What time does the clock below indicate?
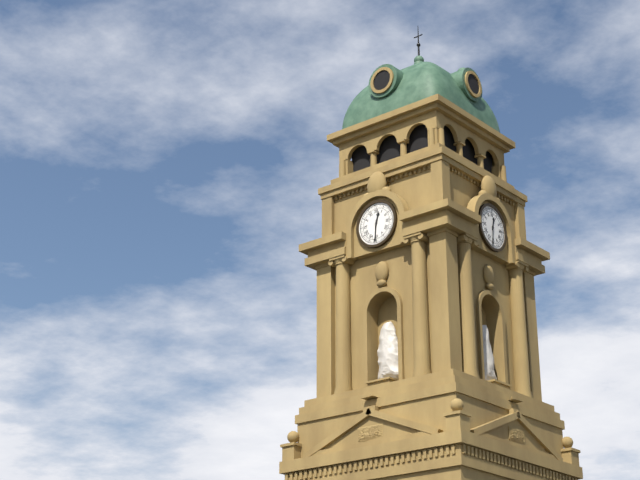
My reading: 12:31
